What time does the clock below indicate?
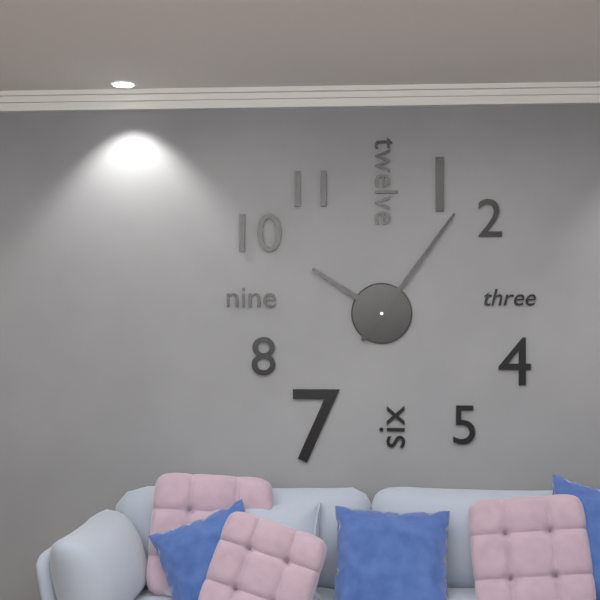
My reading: 10:06
